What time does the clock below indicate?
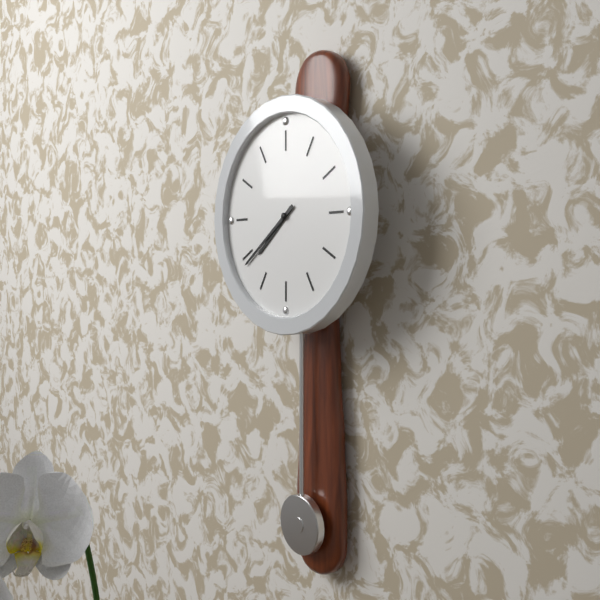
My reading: 7:39
